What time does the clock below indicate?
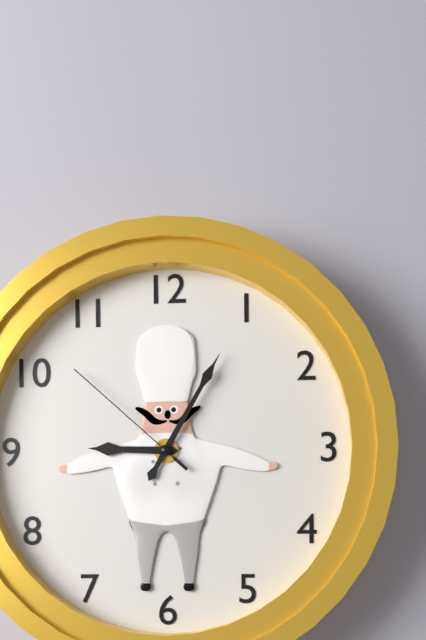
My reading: 9:05:52
